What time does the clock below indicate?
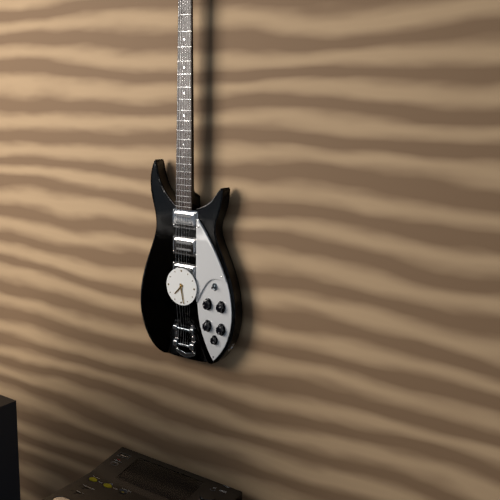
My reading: 7:28
